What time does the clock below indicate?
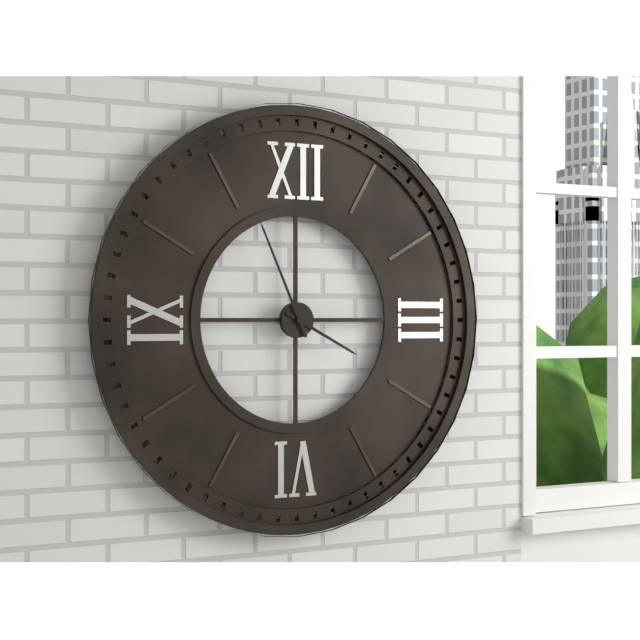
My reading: 3:56
